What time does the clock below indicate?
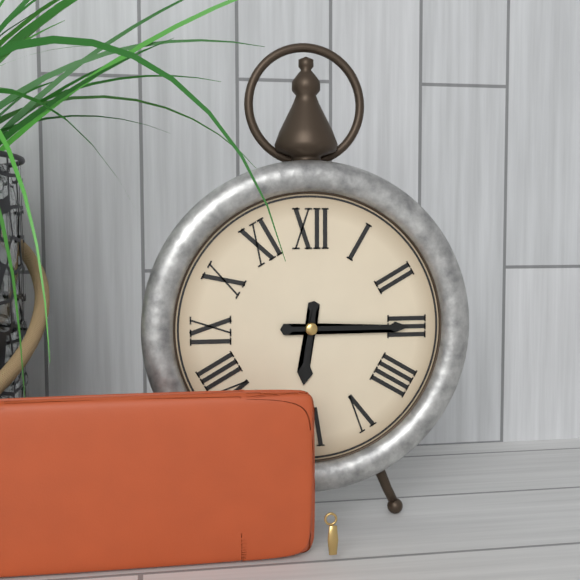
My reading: 6:15
